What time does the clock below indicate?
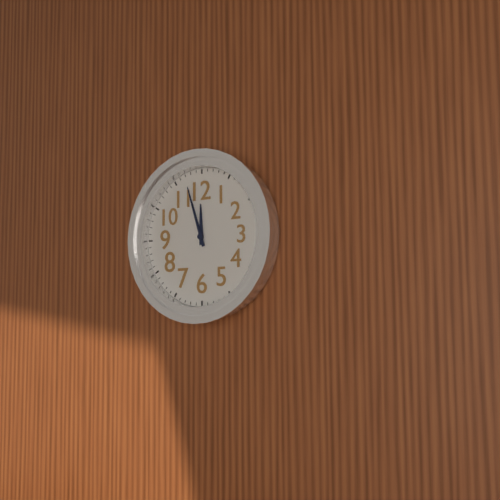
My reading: 11:57
